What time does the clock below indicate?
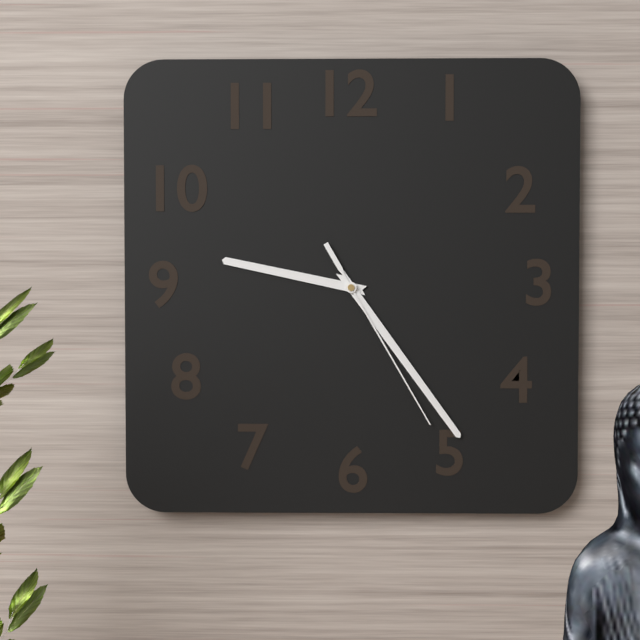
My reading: 9:24:25
